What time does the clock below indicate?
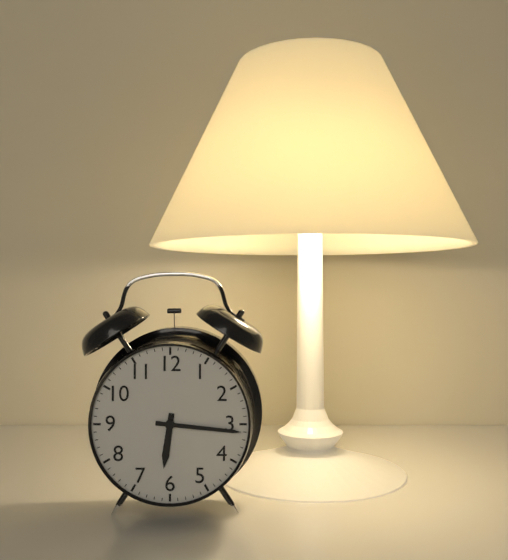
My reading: 6:16
